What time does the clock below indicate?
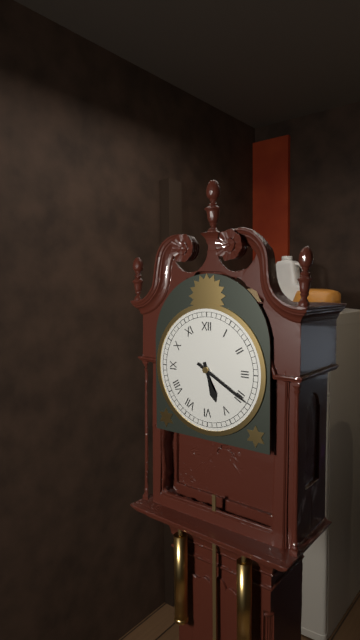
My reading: 5:20
